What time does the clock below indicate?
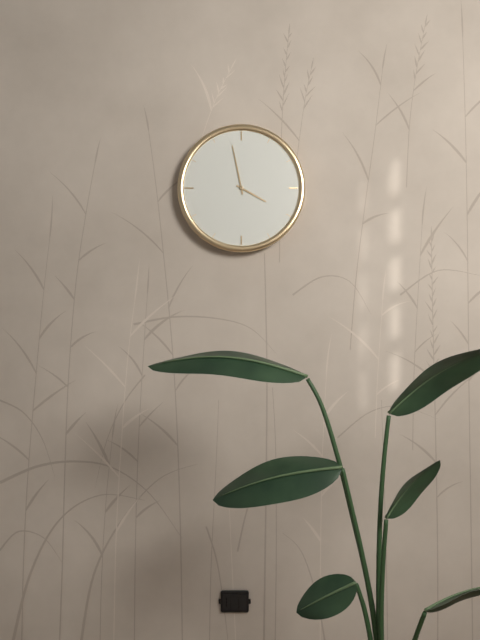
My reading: 3:58
